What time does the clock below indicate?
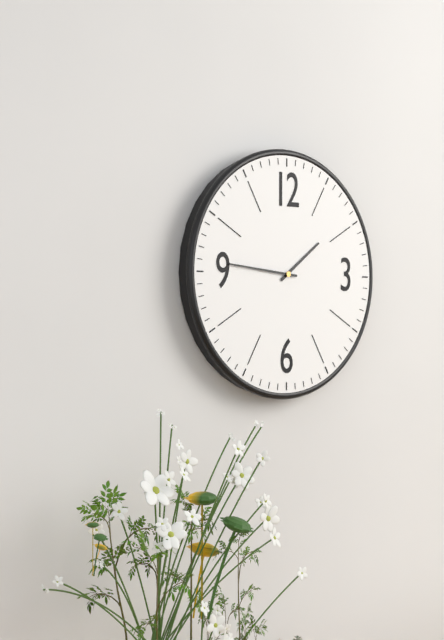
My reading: 1:46
